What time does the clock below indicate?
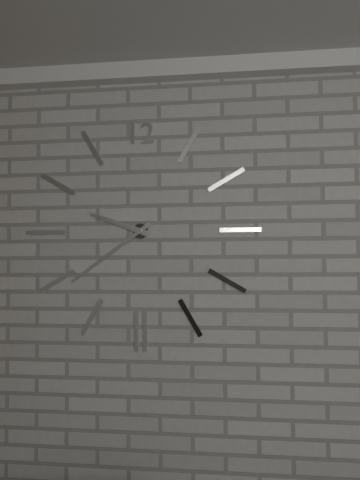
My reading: 9:39
